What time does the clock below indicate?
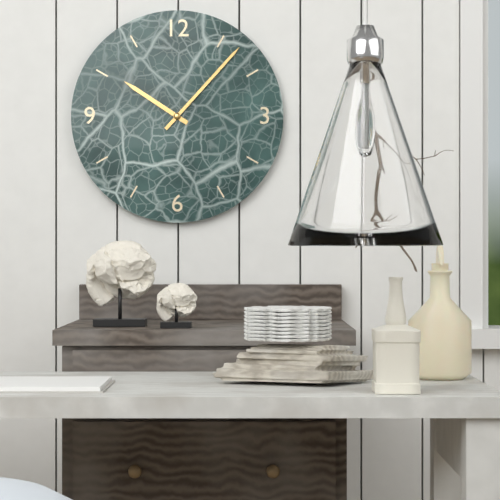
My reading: 10:07
